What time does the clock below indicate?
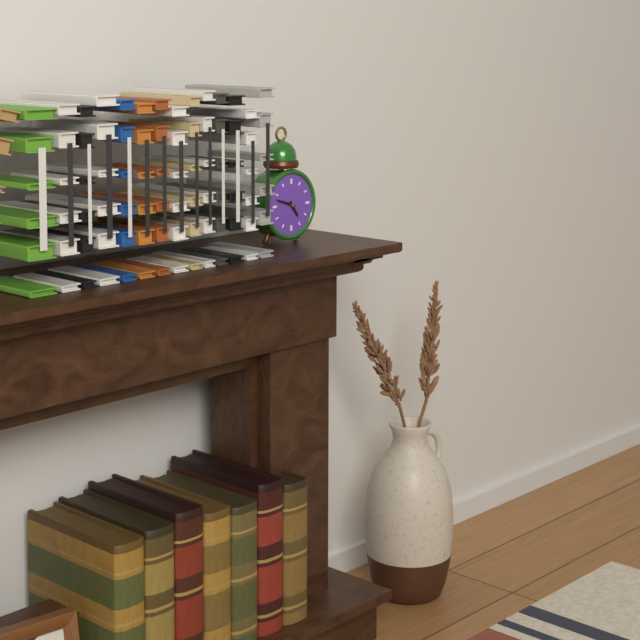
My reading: 4:48
